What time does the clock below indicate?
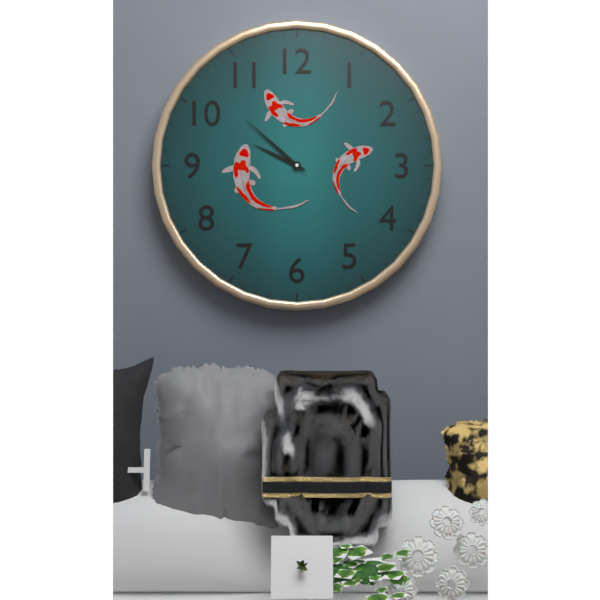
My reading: 9:52
